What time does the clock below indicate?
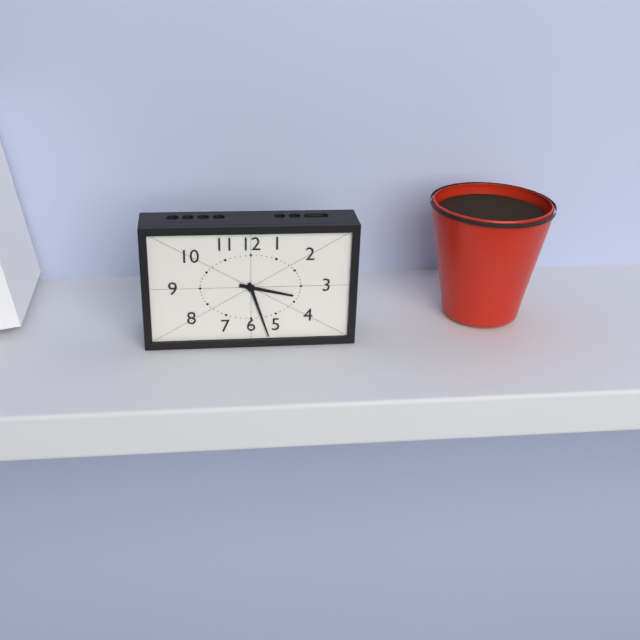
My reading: 3:27
